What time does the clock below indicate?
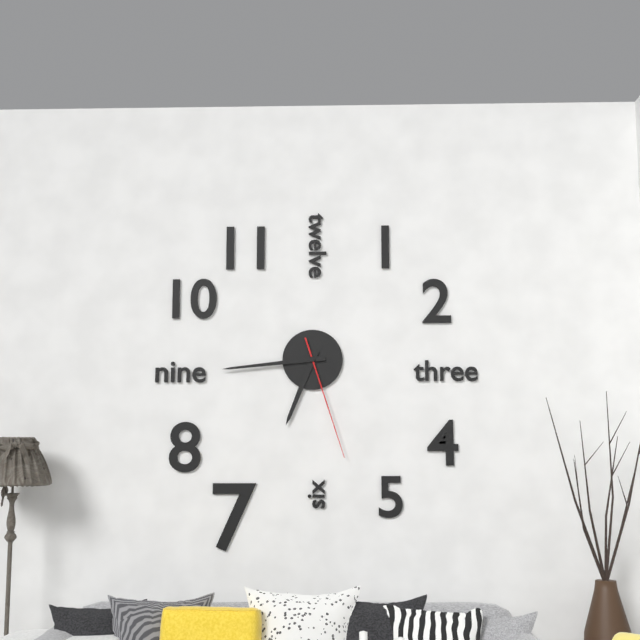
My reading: 6:44:27
